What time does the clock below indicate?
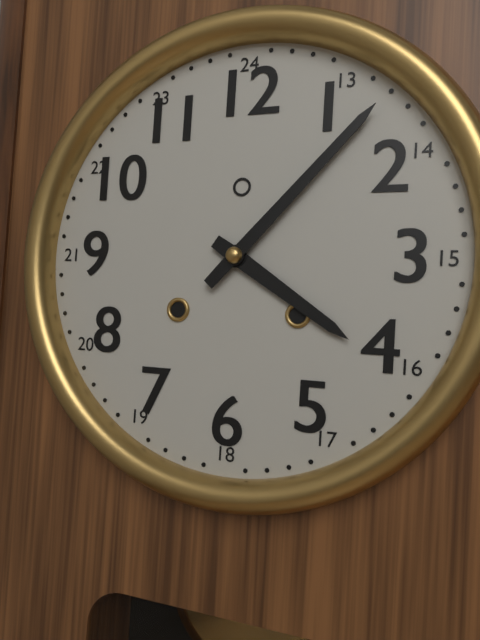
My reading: 4:07
